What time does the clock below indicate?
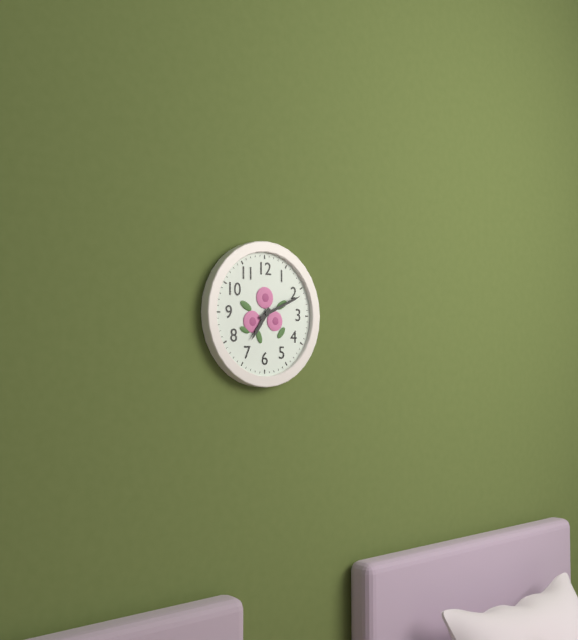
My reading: 7:11
